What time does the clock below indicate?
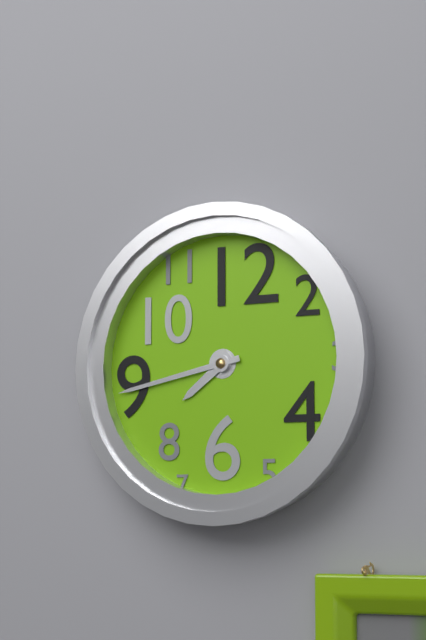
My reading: 7:43
